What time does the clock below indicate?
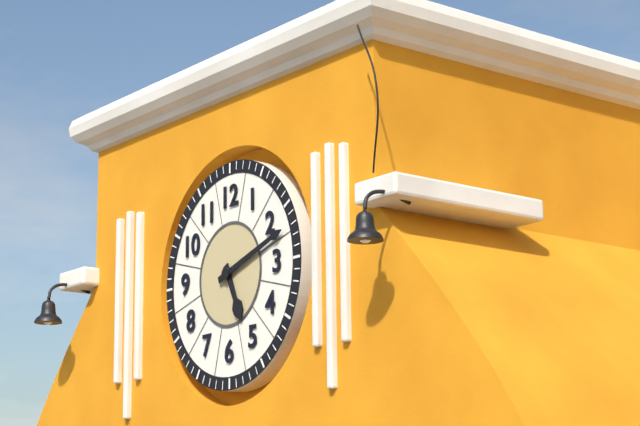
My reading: 5:12
